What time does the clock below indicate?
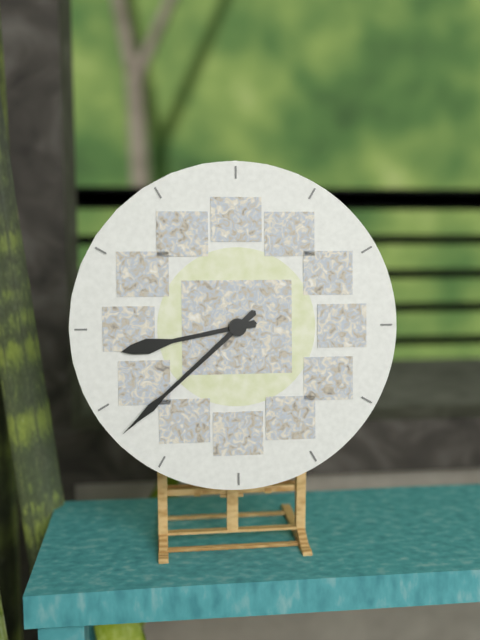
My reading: 8:38
